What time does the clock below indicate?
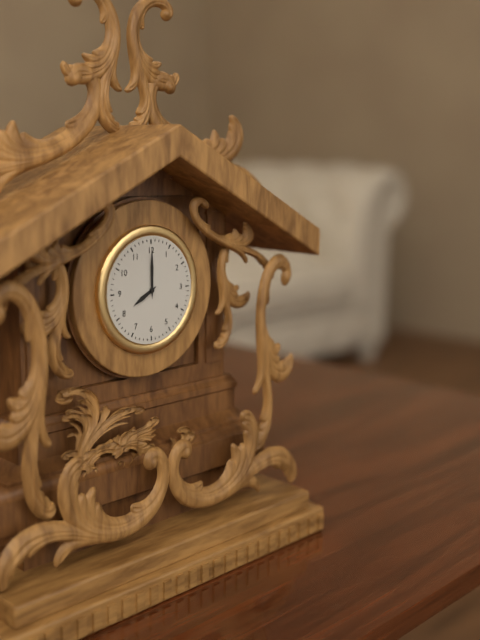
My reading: 8:00
